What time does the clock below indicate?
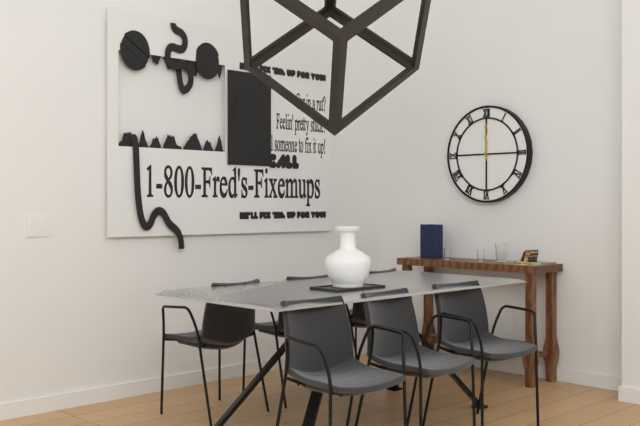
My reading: 12:00
